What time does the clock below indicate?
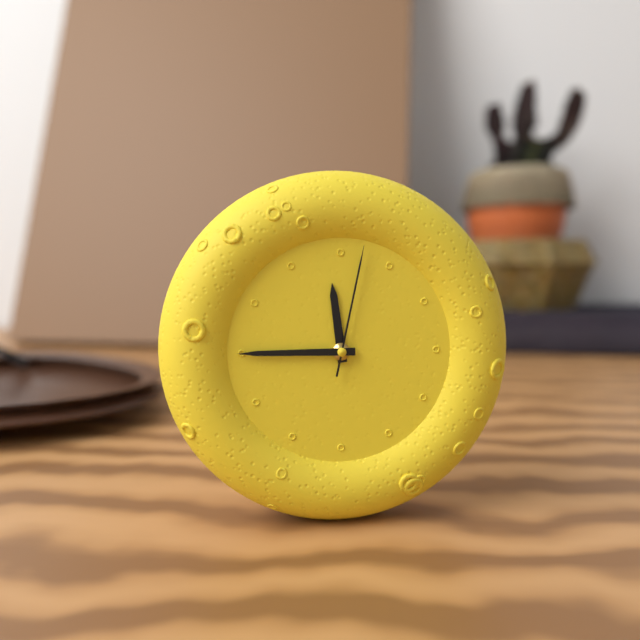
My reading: 11:45:02
